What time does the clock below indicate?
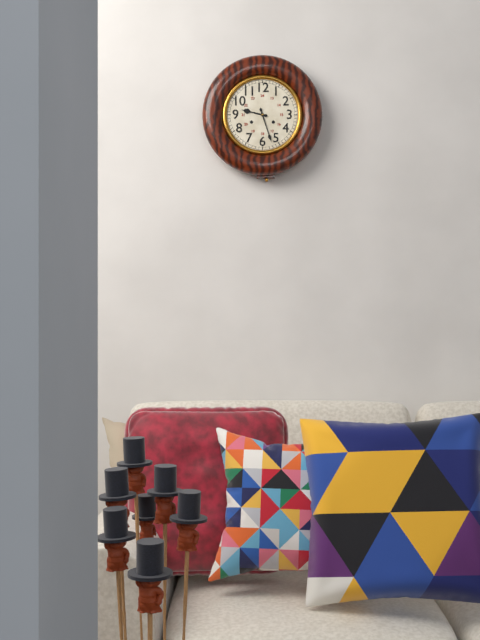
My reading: 9:27
